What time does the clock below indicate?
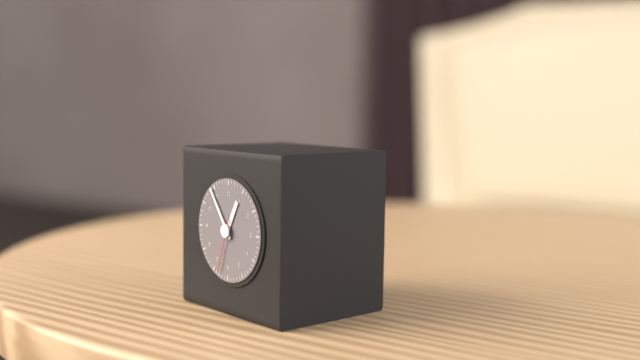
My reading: 12:54:33
